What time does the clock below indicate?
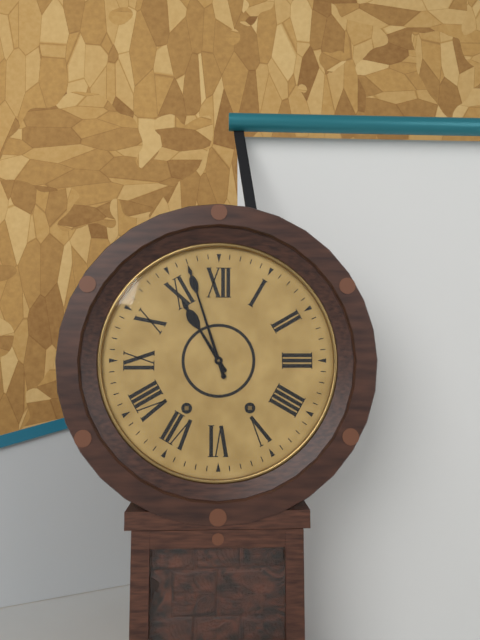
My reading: 10:57
